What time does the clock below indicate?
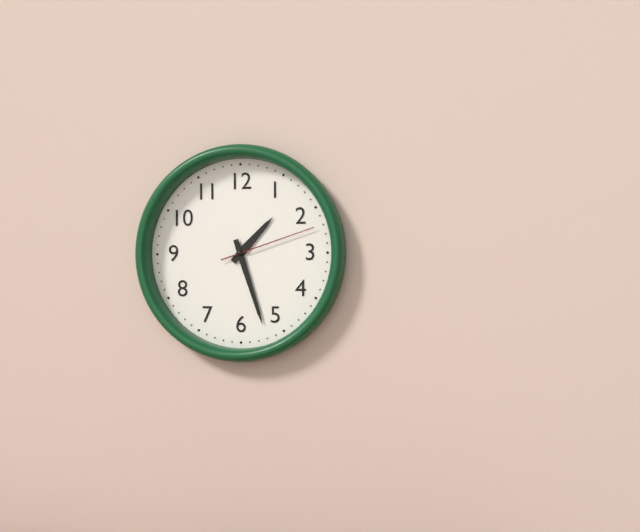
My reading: 1:27:12
